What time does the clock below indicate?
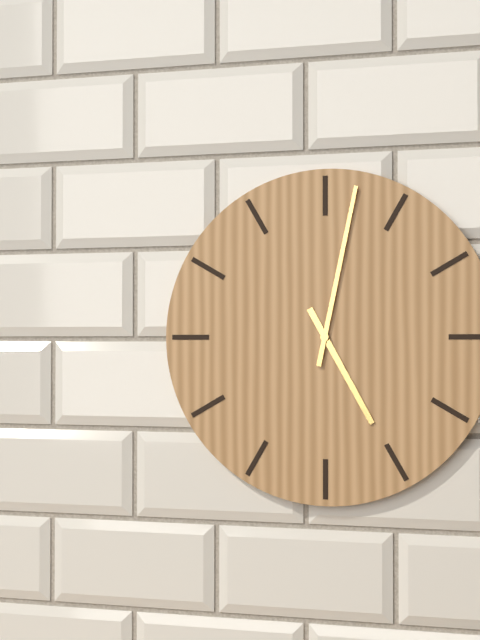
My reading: 5:02
